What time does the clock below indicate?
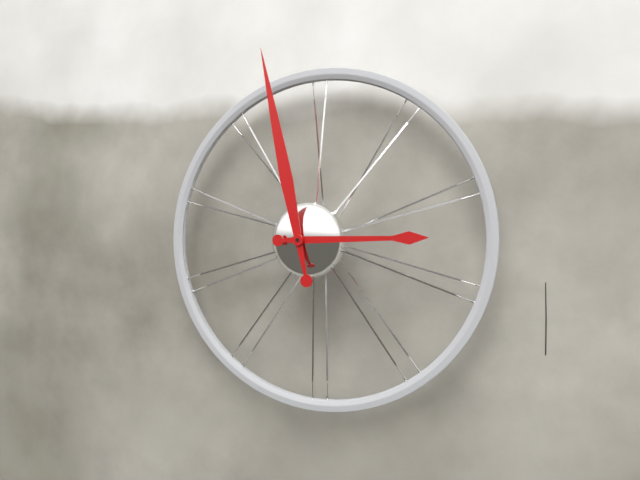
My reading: 2:58
